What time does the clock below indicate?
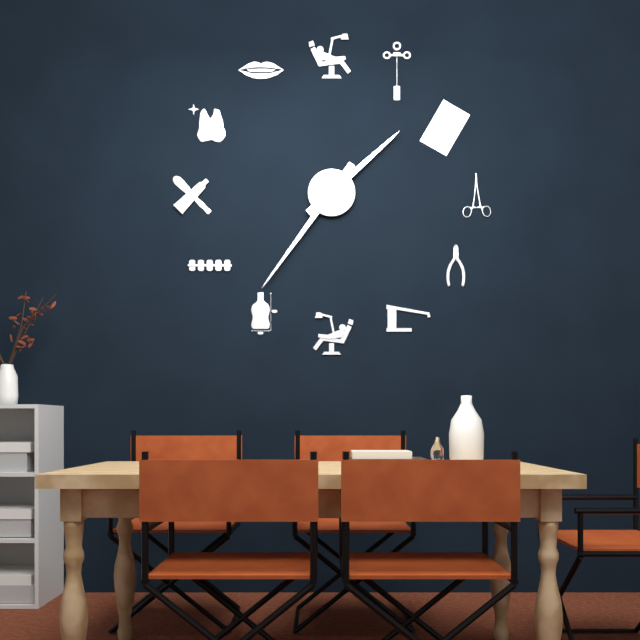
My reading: 1:36
